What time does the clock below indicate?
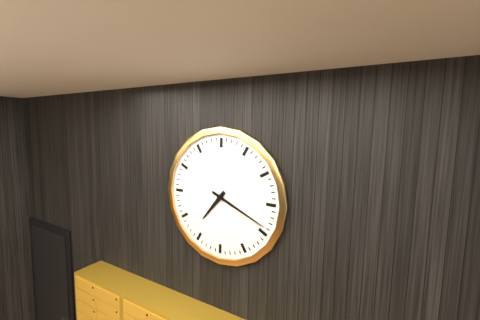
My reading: 7:19
